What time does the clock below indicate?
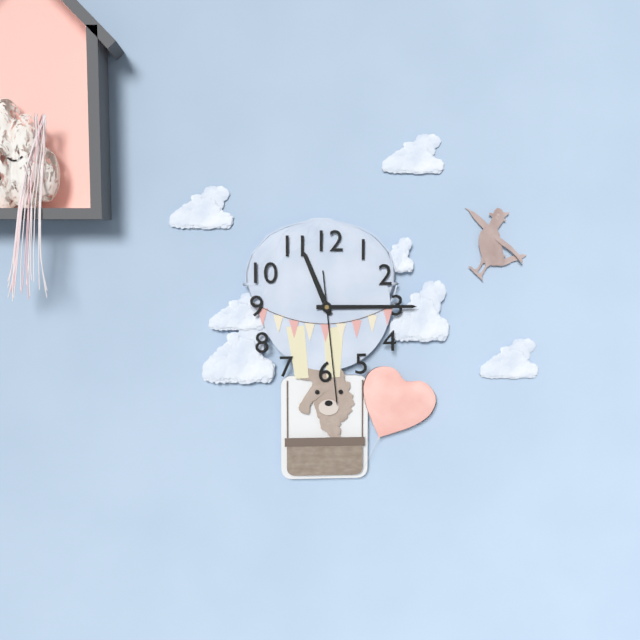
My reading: 11:15:29
